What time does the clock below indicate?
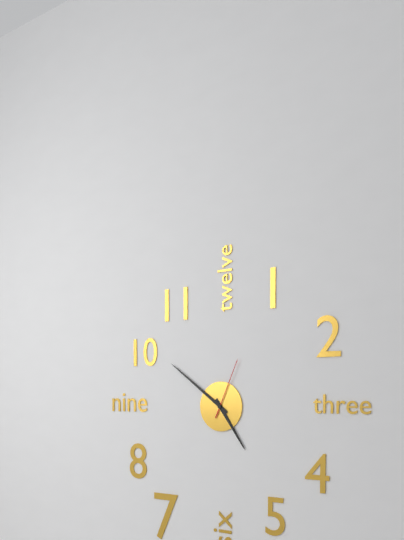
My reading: 4:51:04
